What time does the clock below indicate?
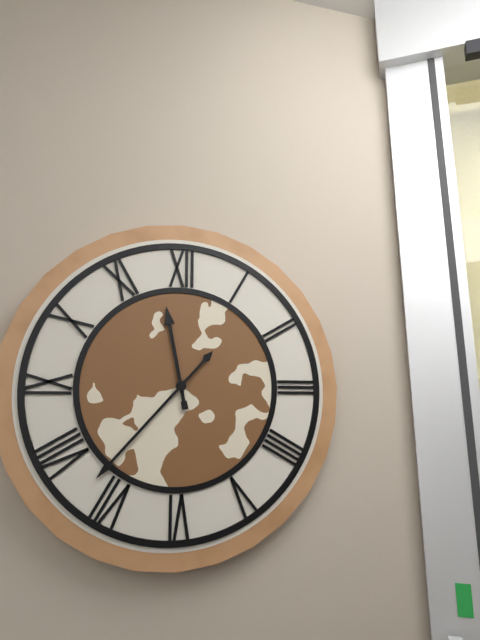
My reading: 11:37
